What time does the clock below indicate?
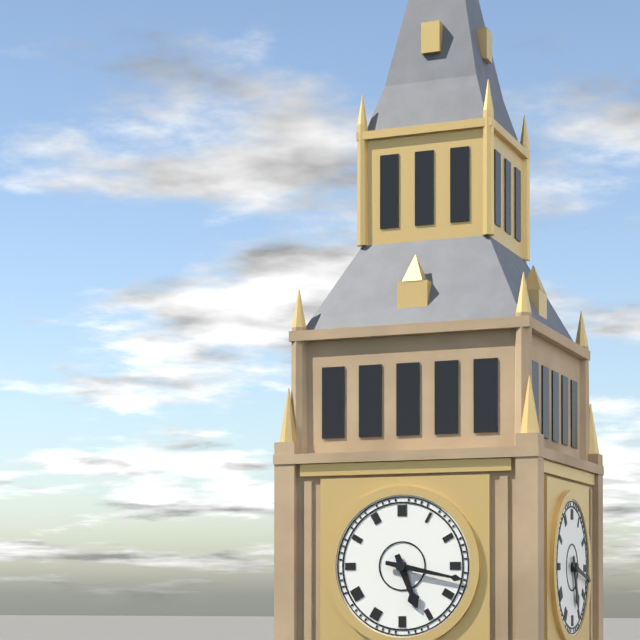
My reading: 5:17
